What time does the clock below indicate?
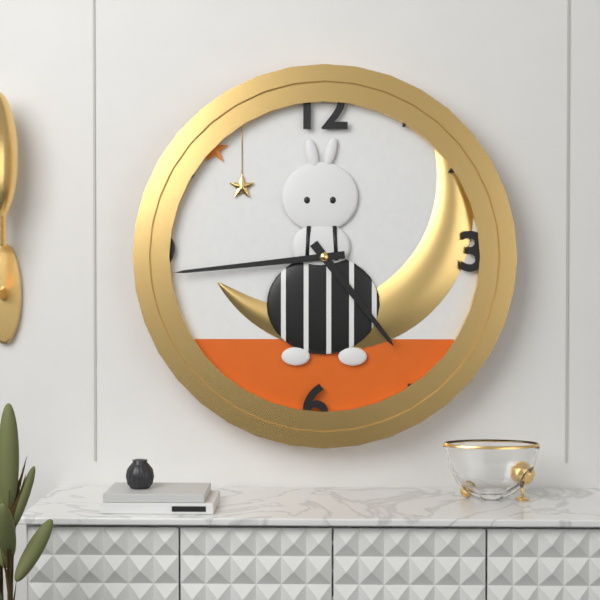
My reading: 4:44
